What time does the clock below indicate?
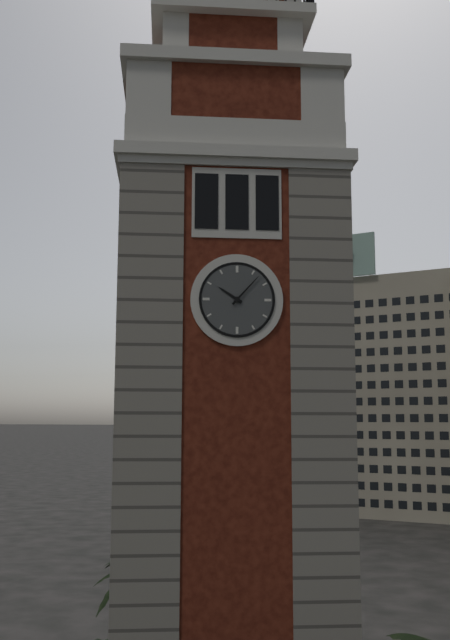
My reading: 10:07
